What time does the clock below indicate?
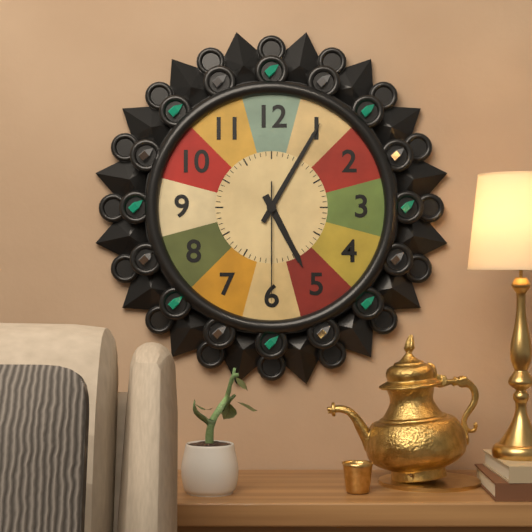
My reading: 5:05:30
